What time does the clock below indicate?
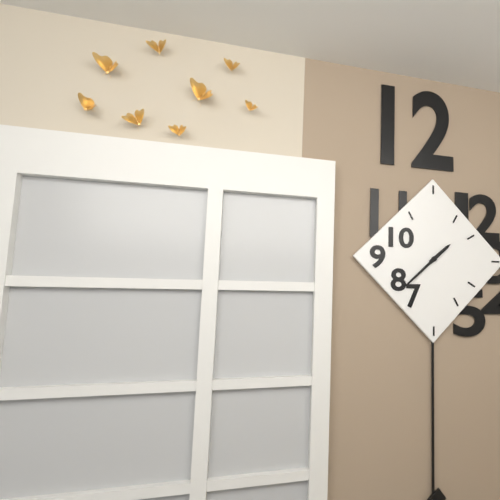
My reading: 1:38
